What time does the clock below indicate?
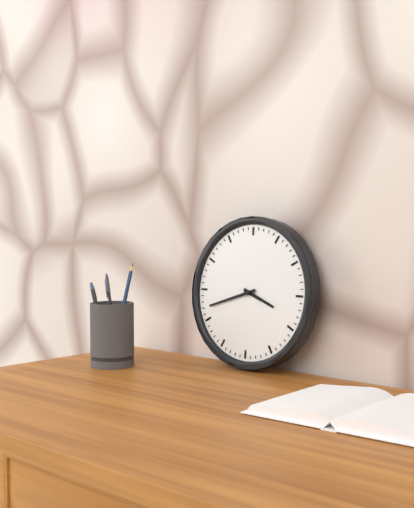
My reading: 3:42
